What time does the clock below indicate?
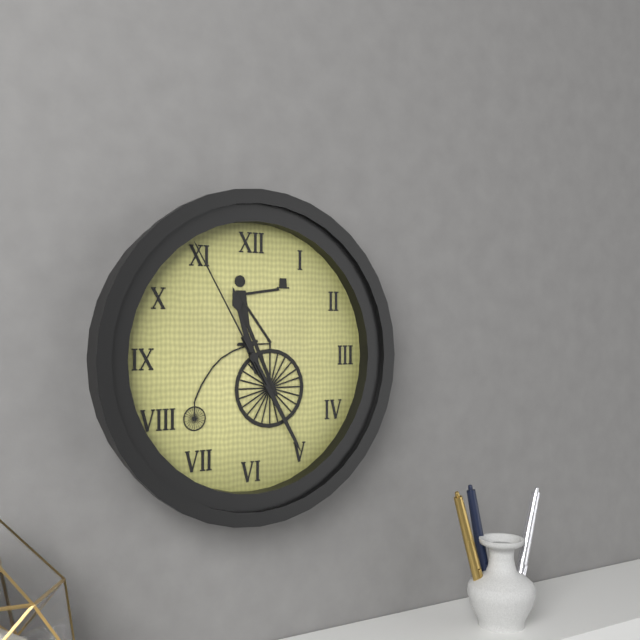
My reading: 11:25:55
